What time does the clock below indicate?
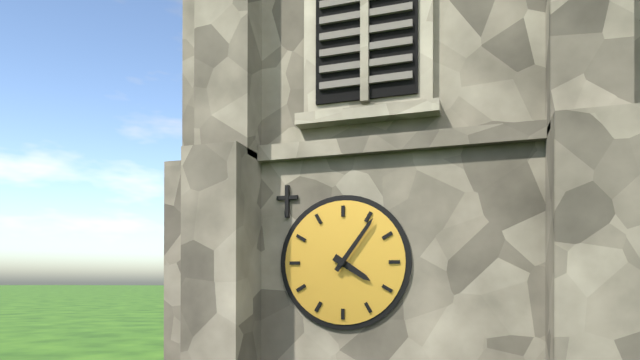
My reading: 4:06
